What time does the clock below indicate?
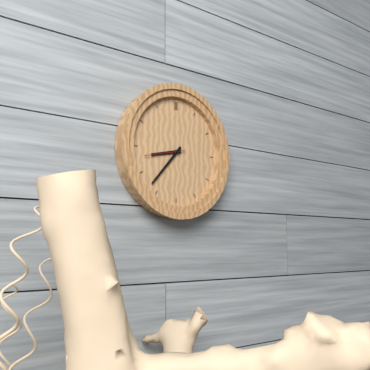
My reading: 8:37
